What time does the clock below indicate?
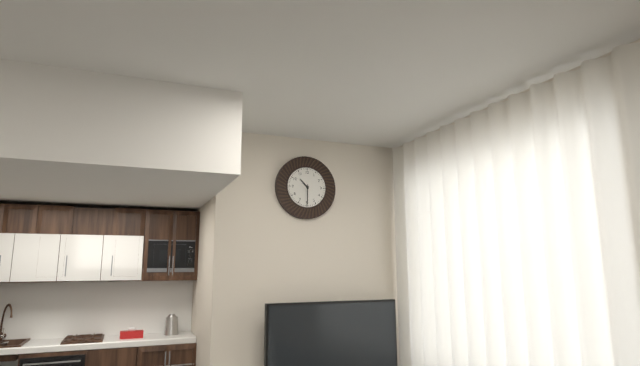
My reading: 10:30
